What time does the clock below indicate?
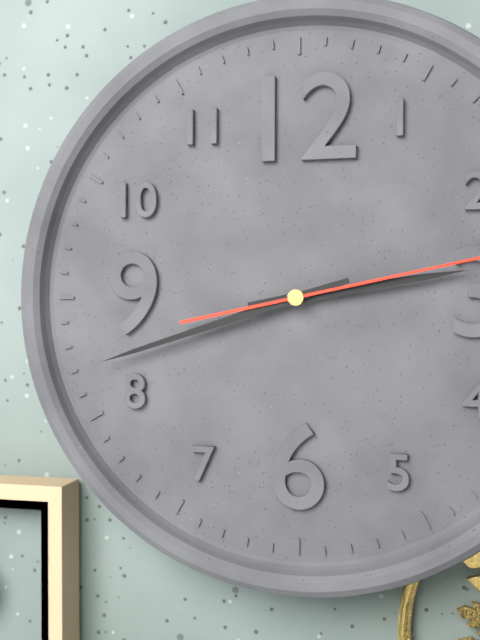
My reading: 2:42
